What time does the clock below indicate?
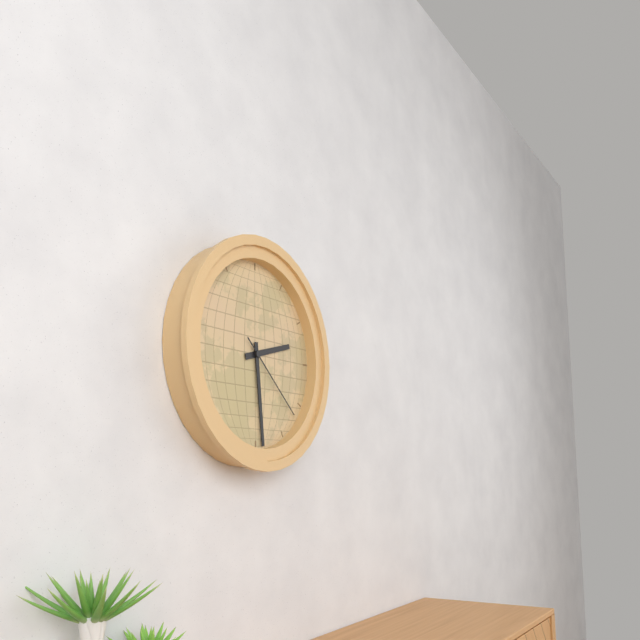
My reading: 2:29:22
